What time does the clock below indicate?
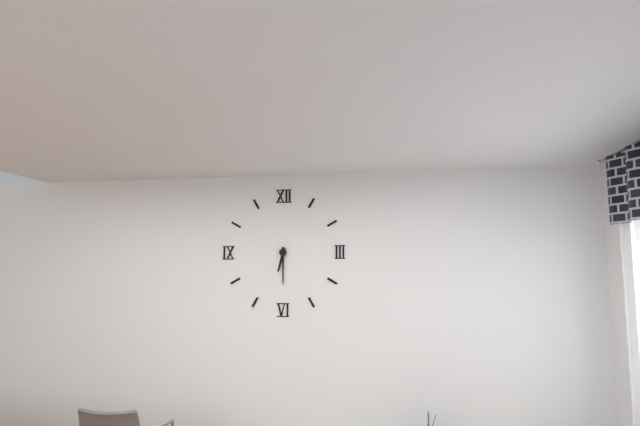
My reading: 6:30
